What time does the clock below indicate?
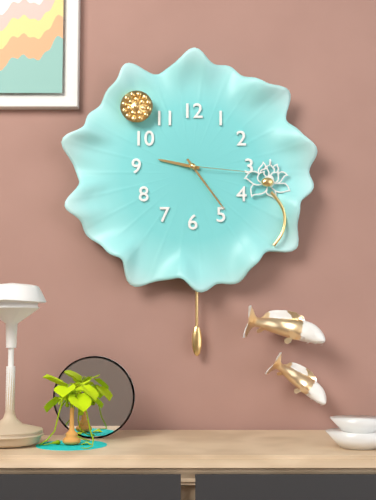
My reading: 9:24:16
